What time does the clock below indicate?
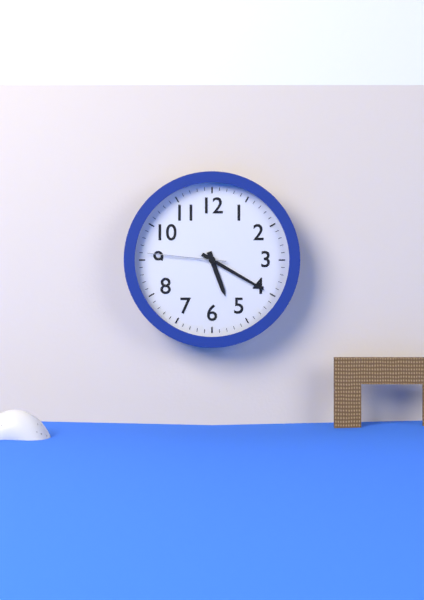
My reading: 5:20:46
